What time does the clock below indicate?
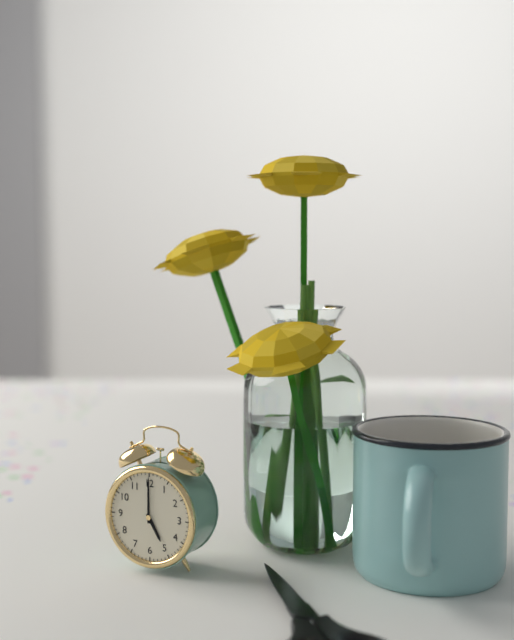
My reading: 5:00
